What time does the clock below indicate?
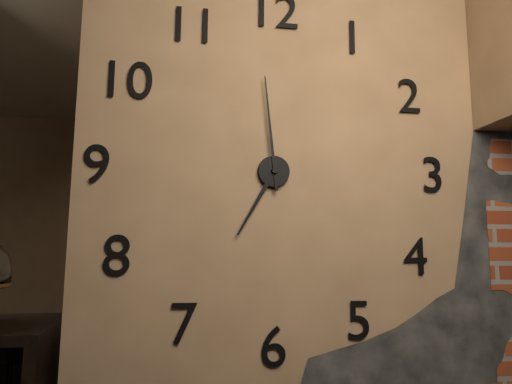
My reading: 6:59
